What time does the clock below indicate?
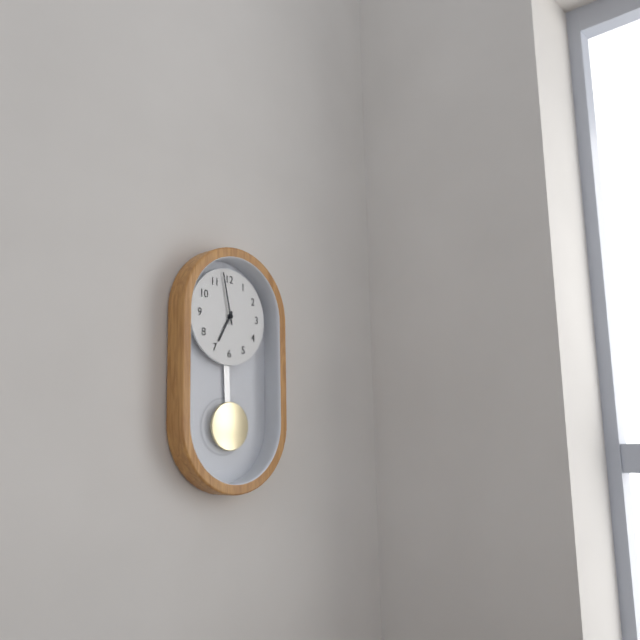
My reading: 6:58
